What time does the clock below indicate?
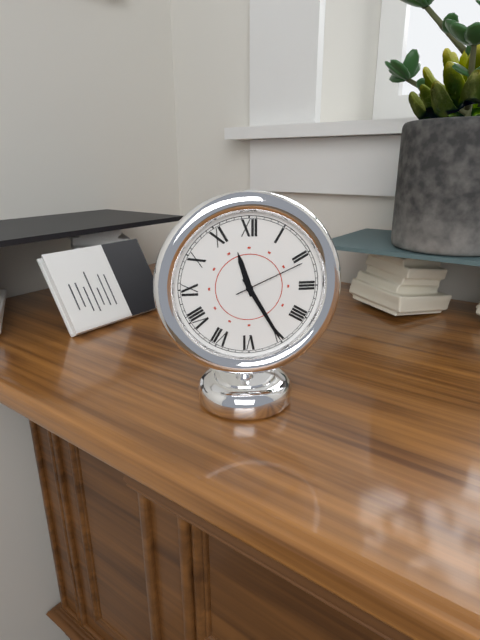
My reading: 11:25:11
